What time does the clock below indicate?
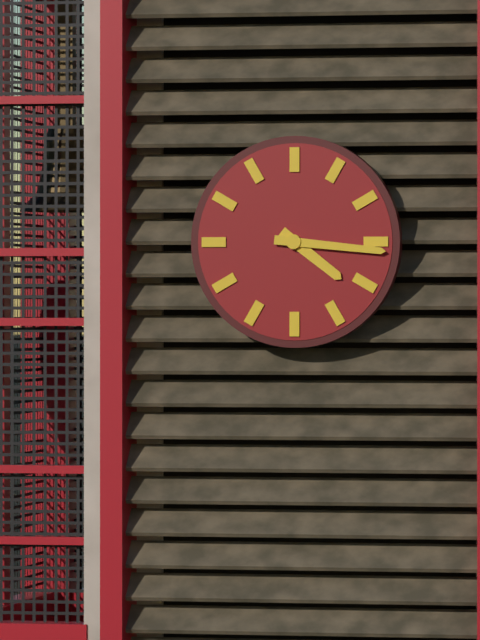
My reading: 4:16
